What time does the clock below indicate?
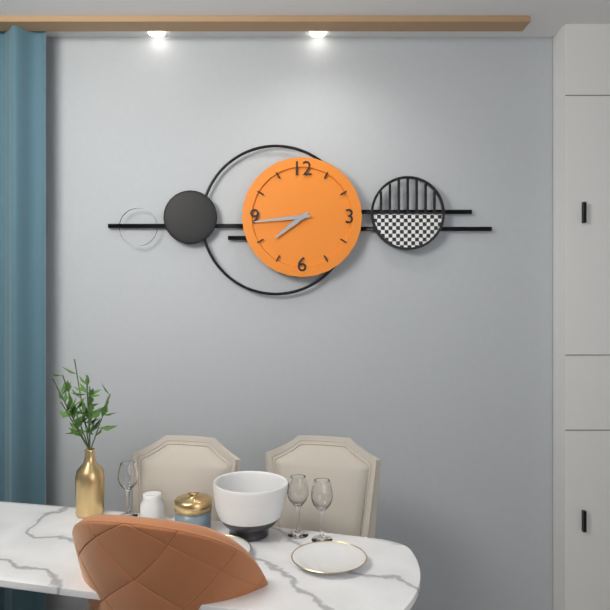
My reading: 7:44
